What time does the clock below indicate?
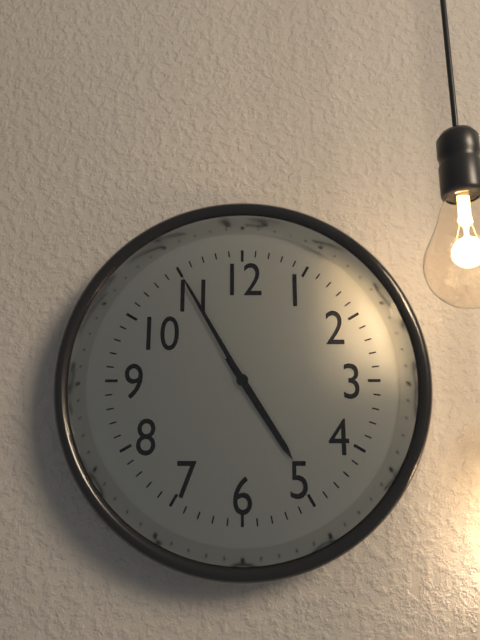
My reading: 4:55
